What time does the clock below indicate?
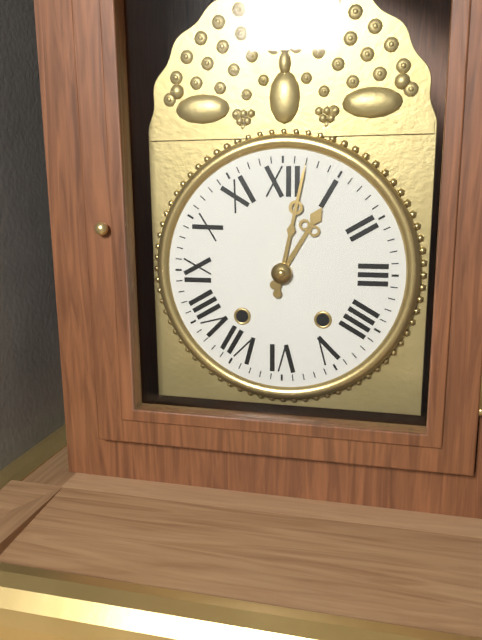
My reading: 1:02
